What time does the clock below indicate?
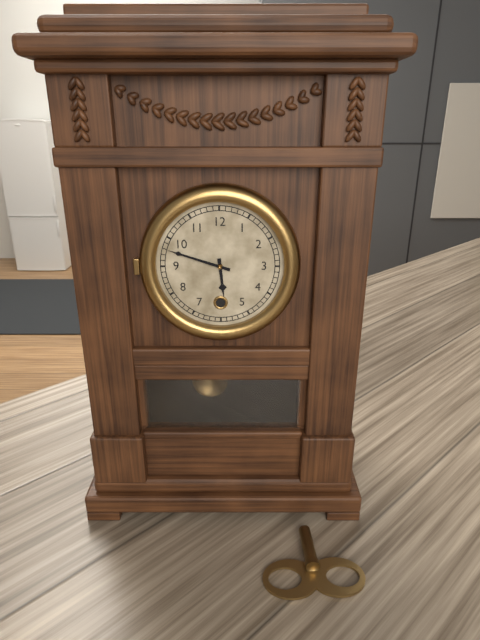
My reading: 5:48
